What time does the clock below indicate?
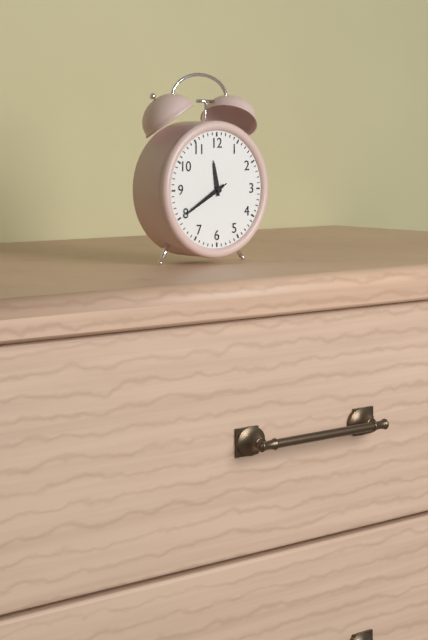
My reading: 11:40:40
